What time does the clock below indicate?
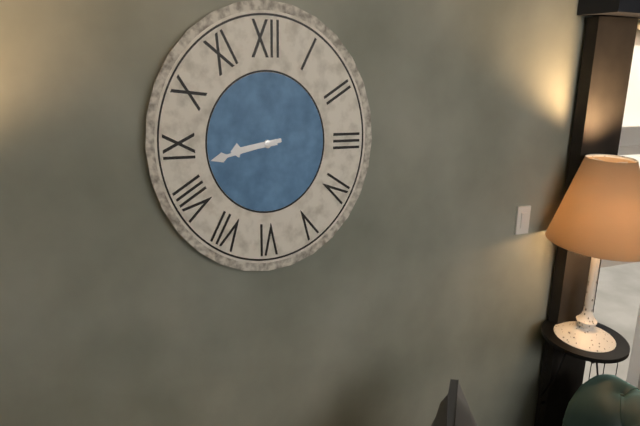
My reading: 8:43
